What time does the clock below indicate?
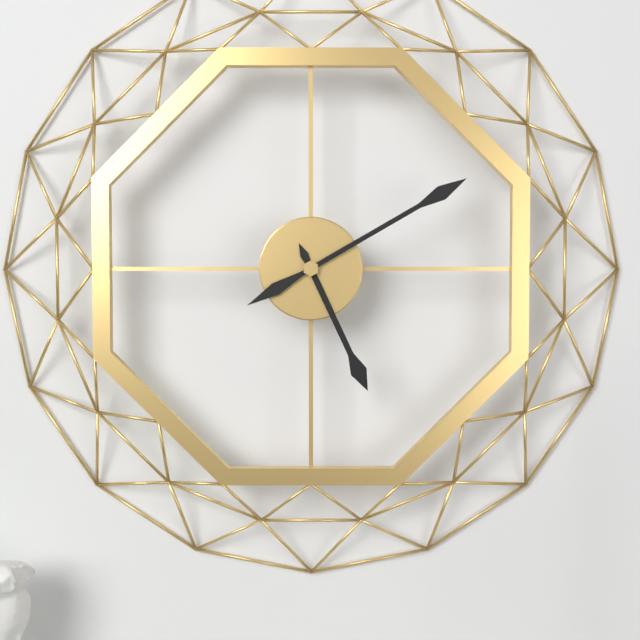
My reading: 5:10
